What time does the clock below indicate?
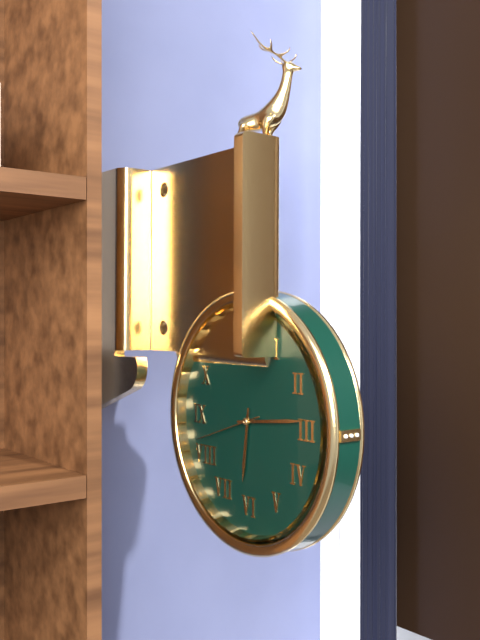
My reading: 6:14:42
